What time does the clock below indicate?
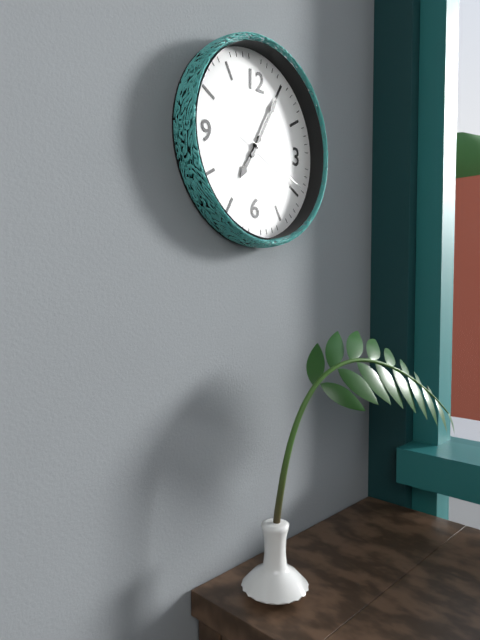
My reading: 7:05:19
